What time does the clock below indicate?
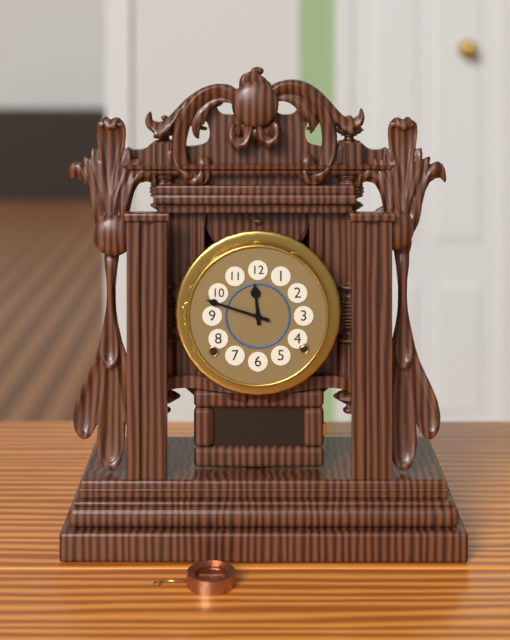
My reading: 11:48
